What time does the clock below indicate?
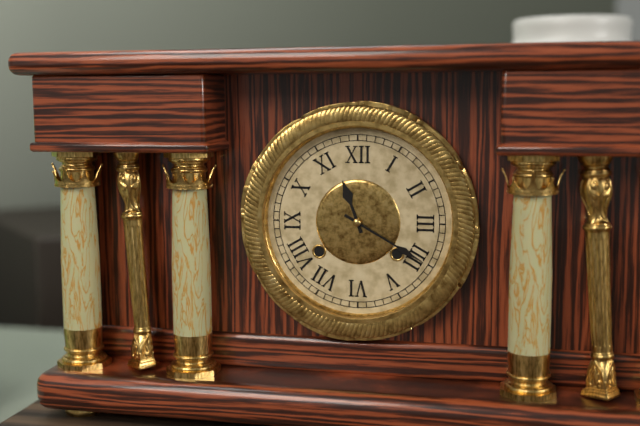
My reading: 11:20
